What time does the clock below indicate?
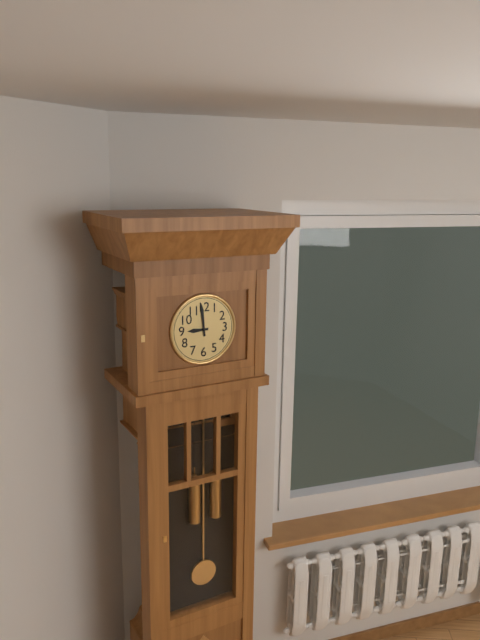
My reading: 8:59
